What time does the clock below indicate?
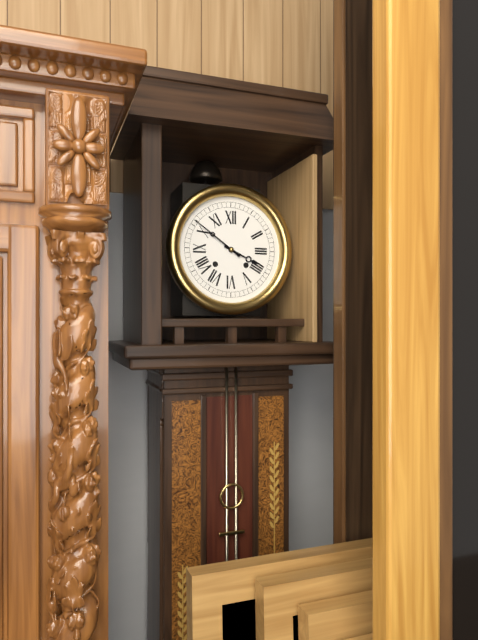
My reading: 3:51
